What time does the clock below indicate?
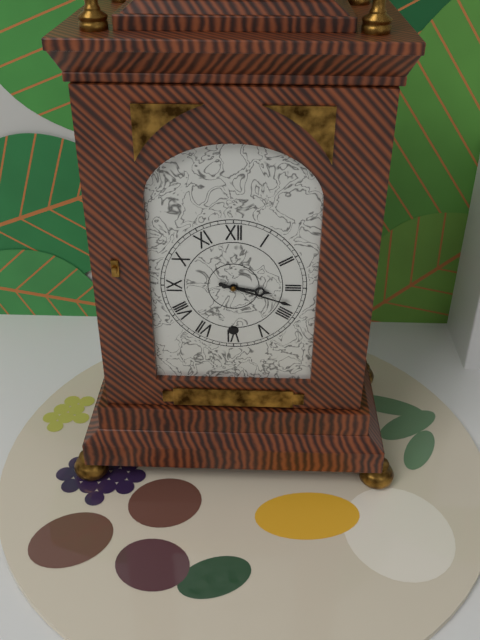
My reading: 3:18
